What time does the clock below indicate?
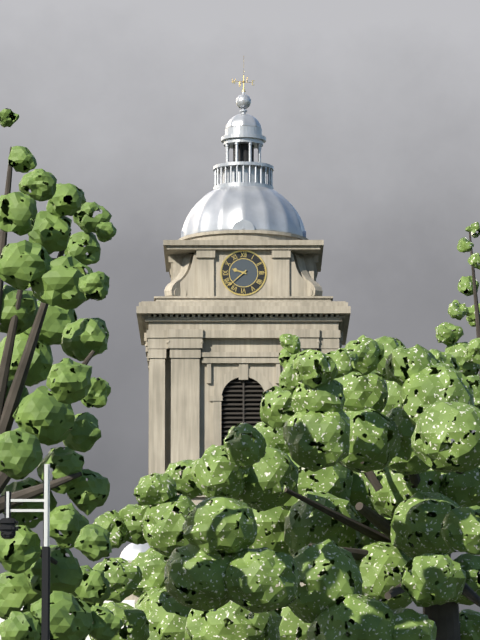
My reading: 9:38
